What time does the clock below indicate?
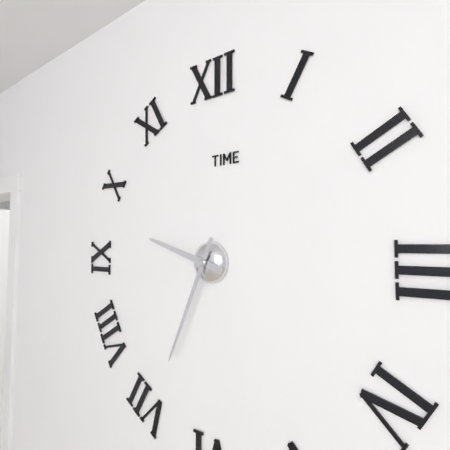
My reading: 9:34
